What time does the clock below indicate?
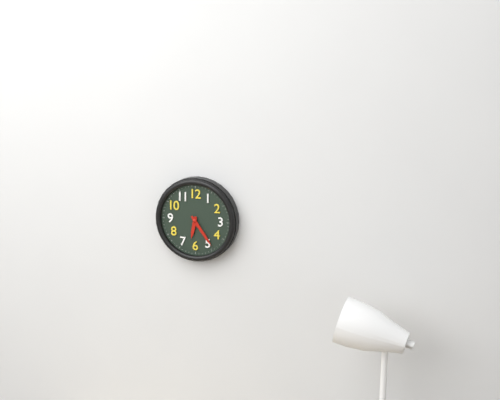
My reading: 6:24
